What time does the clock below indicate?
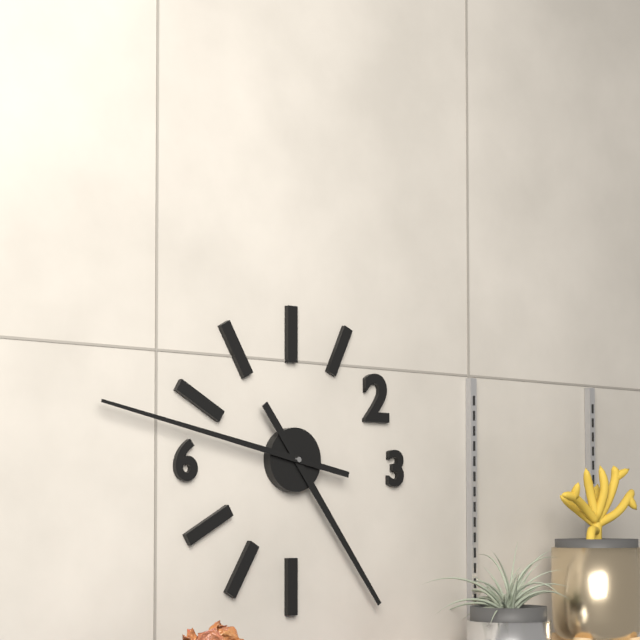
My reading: 4:47
